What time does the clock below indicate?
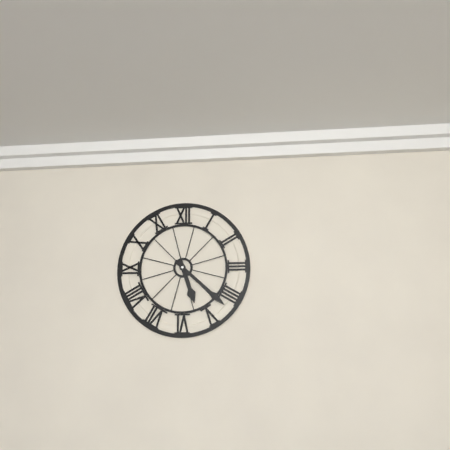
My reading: 5:22
